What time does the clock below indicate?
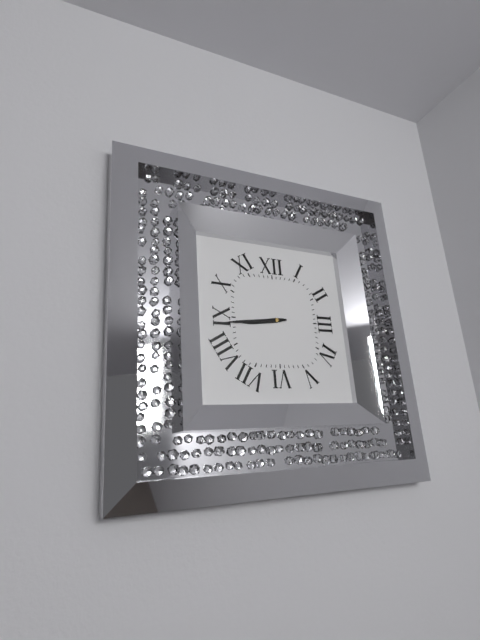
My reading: 8:44
